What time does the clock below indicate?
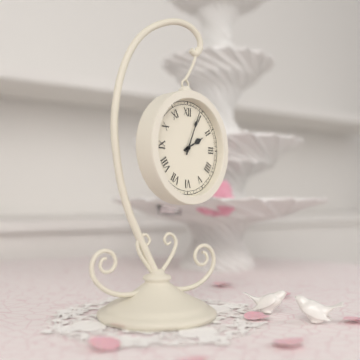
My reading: 2:04
